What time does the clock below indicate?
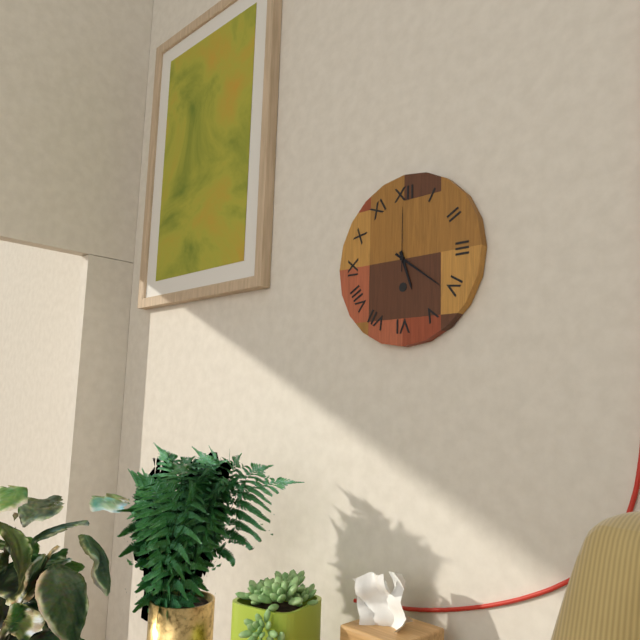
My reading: 5:21:00
